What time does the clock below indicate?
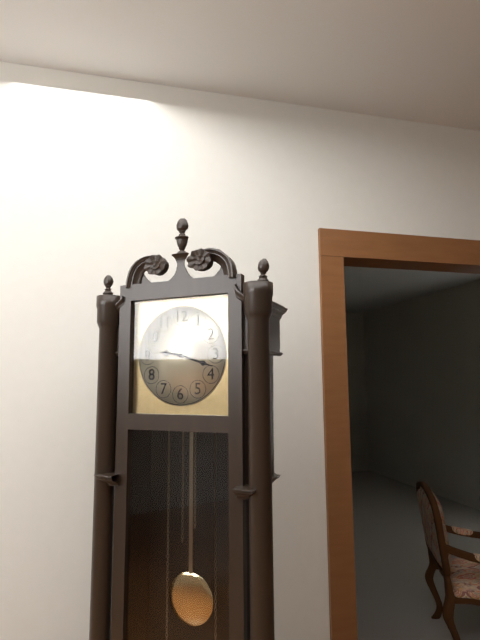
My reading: 9:18
